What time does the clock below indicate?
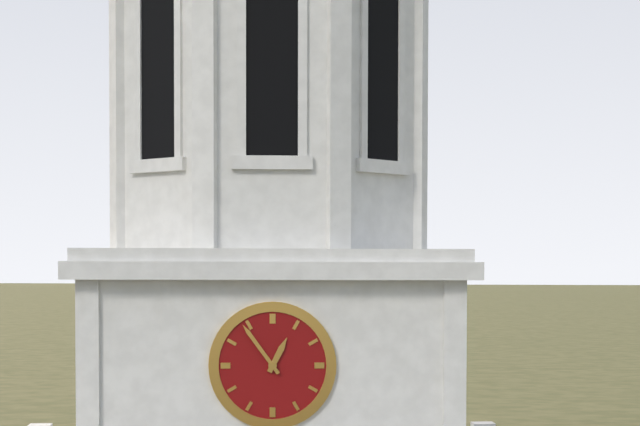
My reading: 12:54
